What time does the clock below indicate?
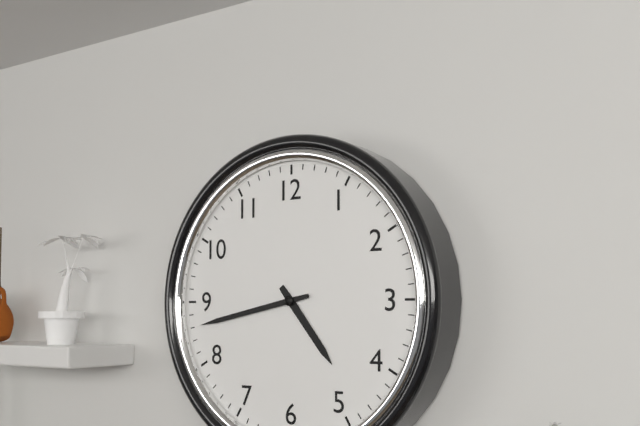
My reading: 4:43
